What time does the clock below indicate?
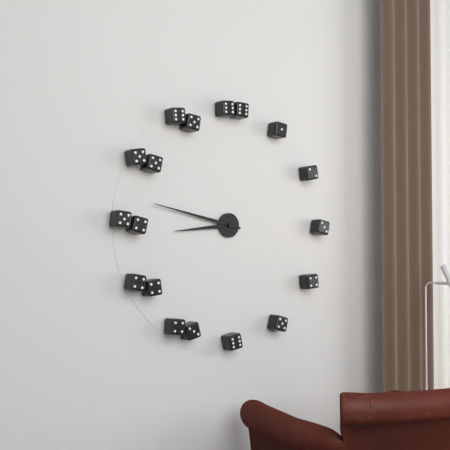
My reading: 8:47
